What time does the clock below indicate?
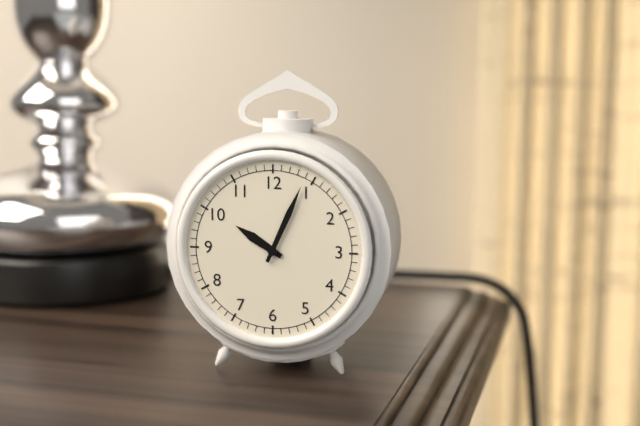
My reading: 10:04
